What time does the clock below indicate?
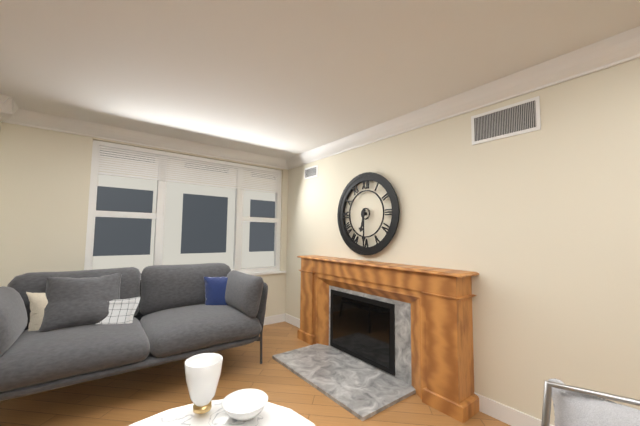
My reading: 6:30
